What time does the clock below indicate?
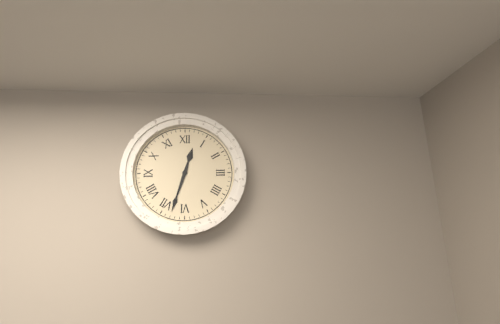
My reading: 12:33
